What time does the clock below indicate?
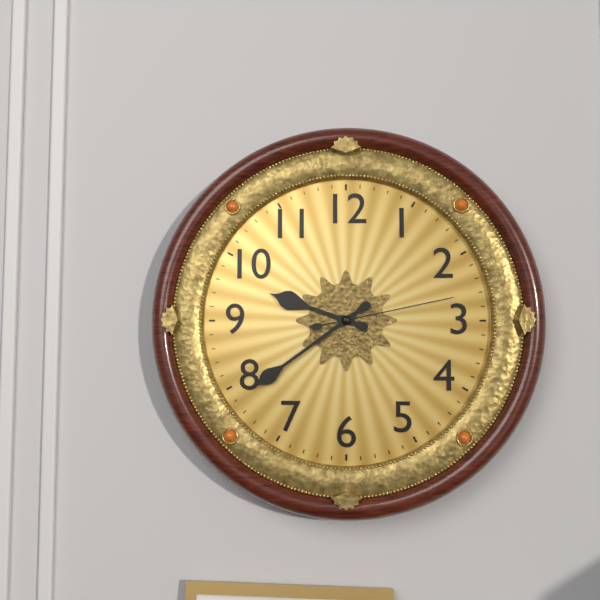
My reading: 9:39:13
